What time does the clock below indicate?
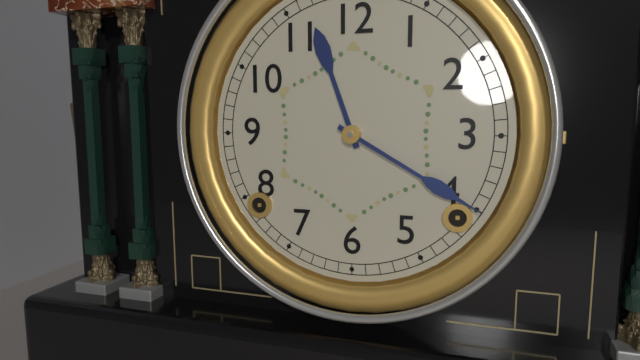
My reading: 11:20
